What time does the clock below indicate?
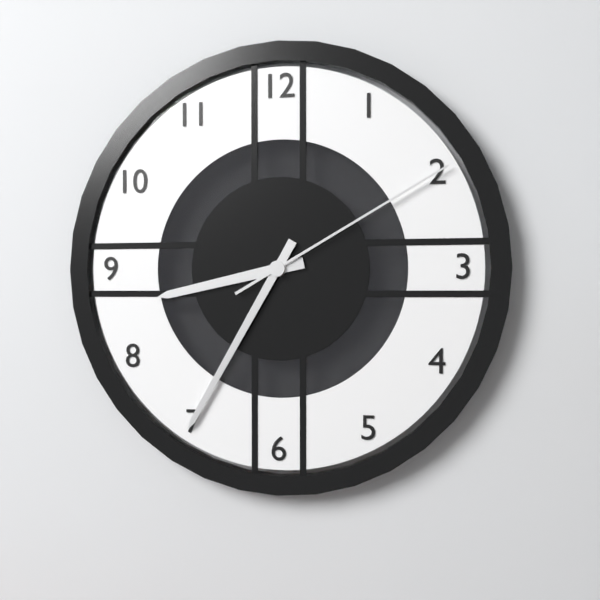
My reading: 8:35:10
